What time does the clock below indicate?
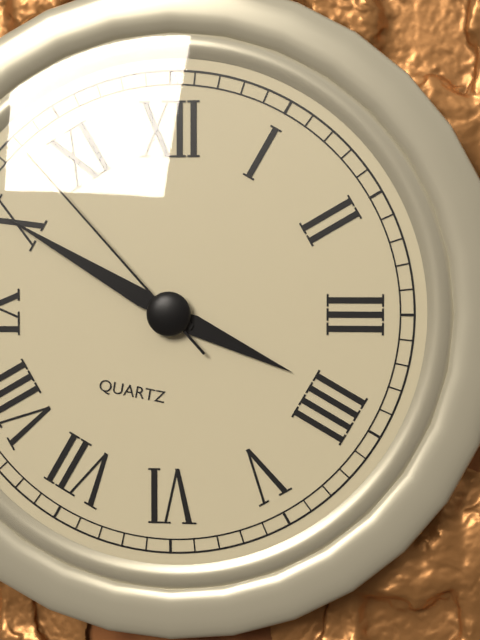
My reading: 3:50:53
